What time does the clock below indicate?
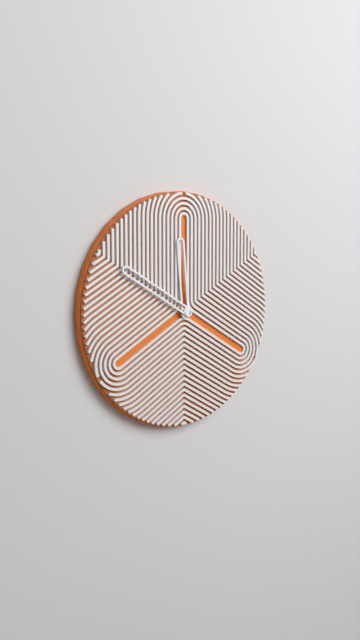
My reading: 11:50
